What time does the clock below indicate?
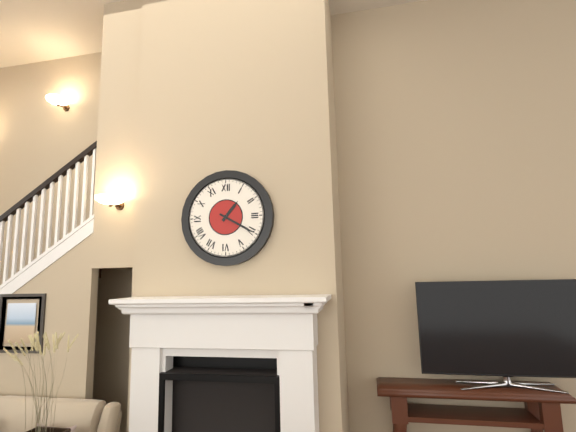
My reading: 1:20
